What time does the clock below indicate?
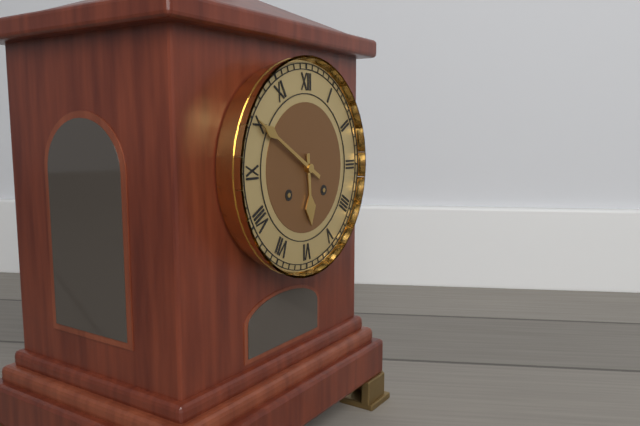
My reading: 5:50
